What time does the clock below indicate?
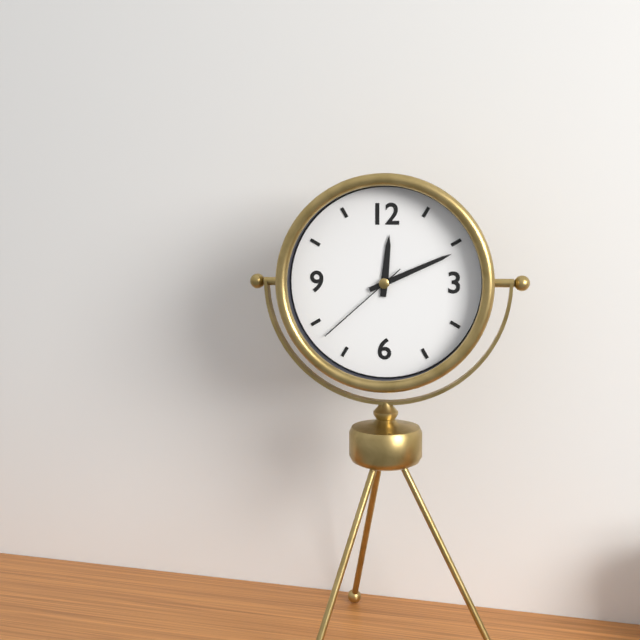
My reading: 12:11:38
